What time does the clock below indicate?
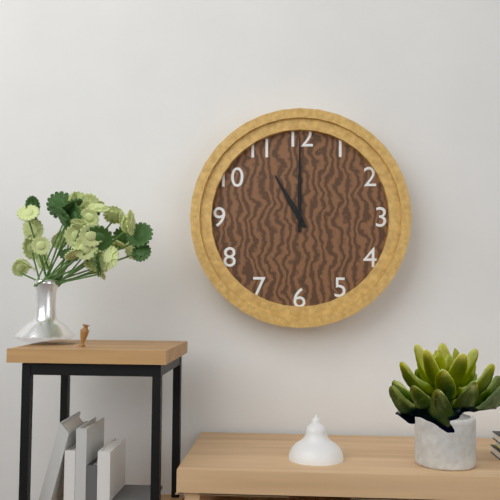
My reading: 11:00
